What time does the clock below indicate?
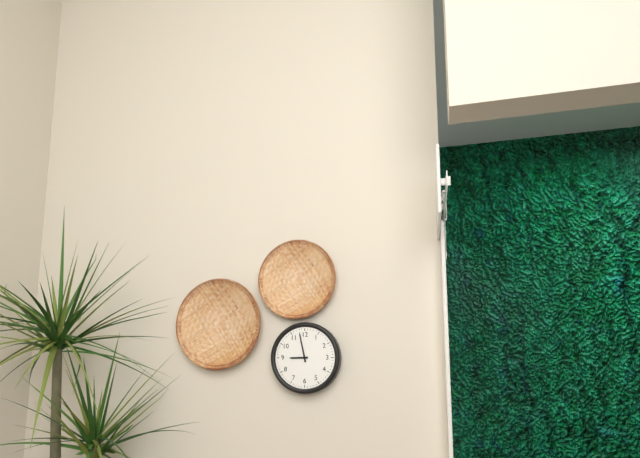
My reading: 8:58
